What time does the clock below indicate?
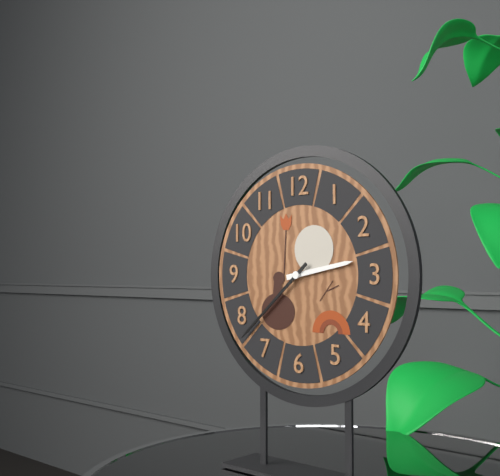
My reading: 2:38
